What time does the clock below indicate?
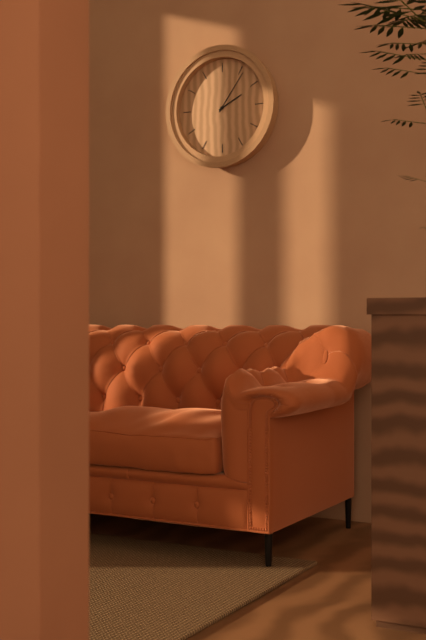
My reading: 2:06
